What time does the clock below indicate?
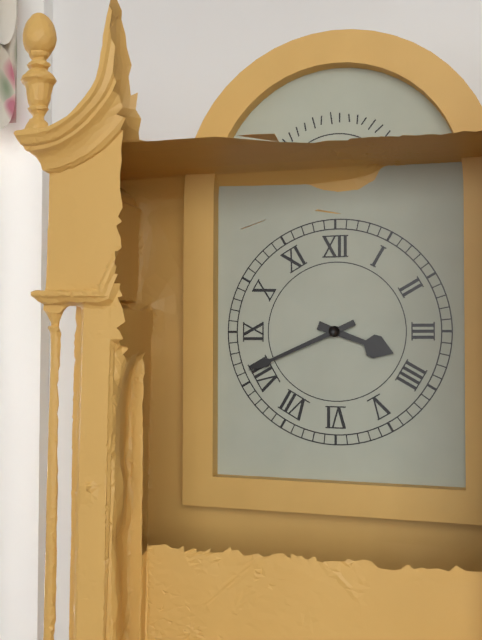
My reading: 3:41
